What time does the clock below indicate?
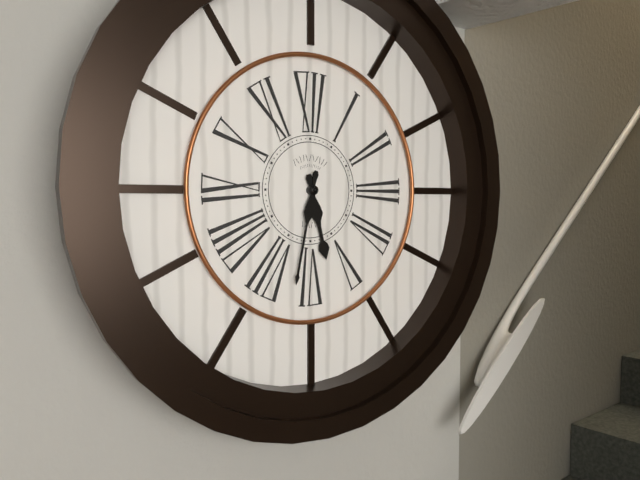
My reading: 5:32
